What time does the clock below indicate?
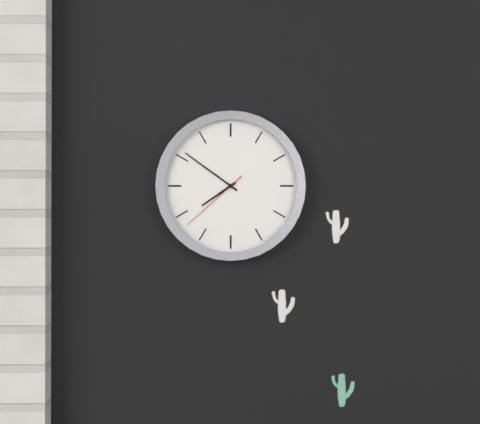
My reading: 7:51:38
